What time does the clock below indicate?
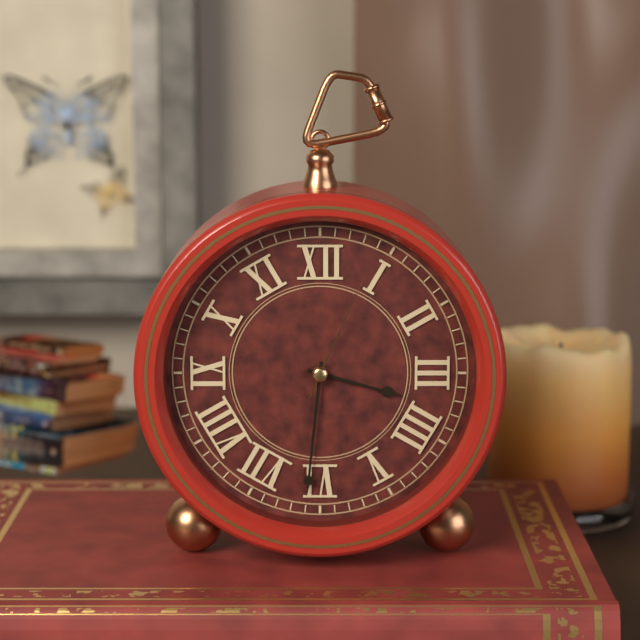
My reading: 3:31:04
